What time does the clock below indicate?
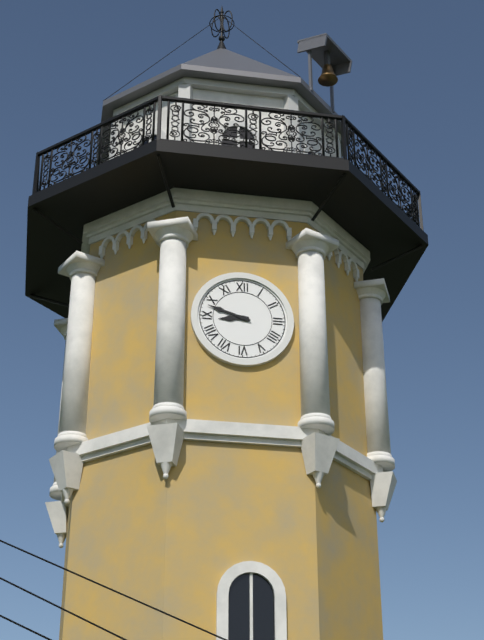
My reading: 8:48
